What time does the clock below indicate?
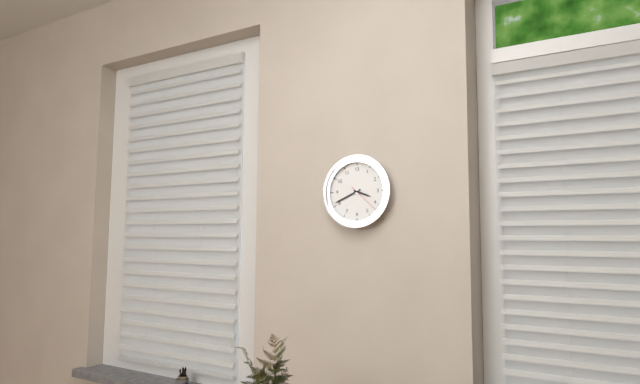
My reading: 3:41
